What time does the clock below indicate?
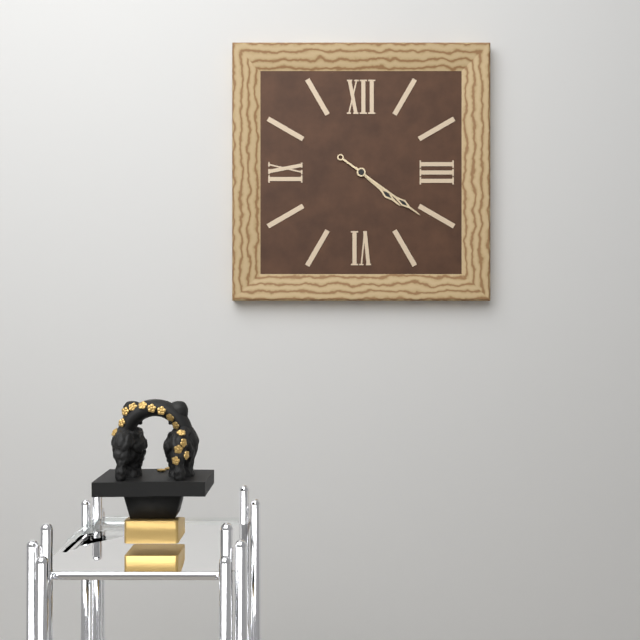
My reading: 4:21
